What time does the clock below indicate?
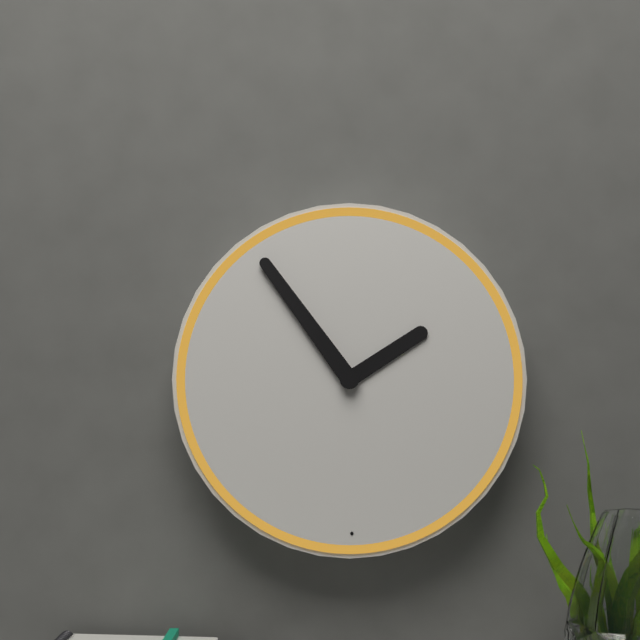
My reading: 1:54
